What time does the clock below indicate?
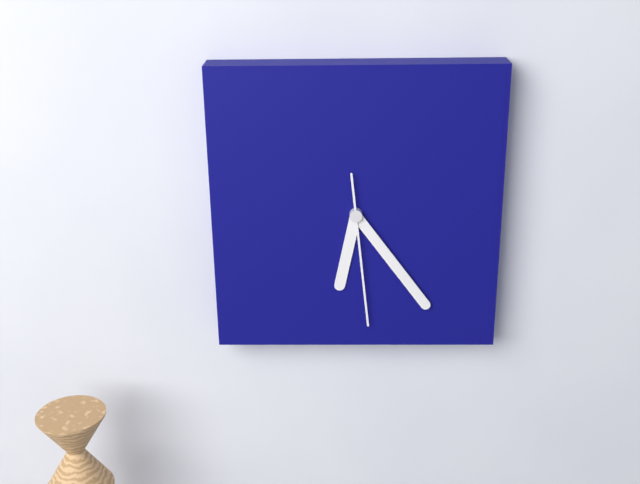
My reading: 6:24:29
